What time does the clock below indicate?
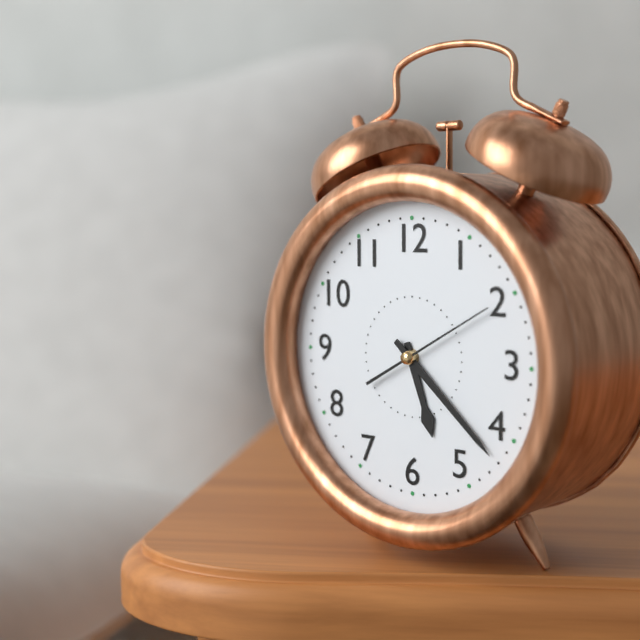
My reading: 5:22:10
